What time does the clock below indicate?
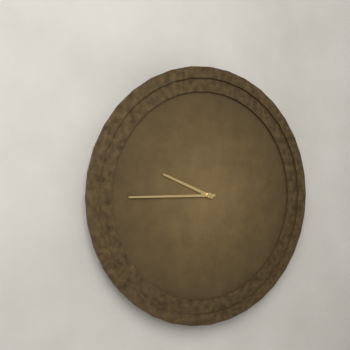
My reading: 9:45
